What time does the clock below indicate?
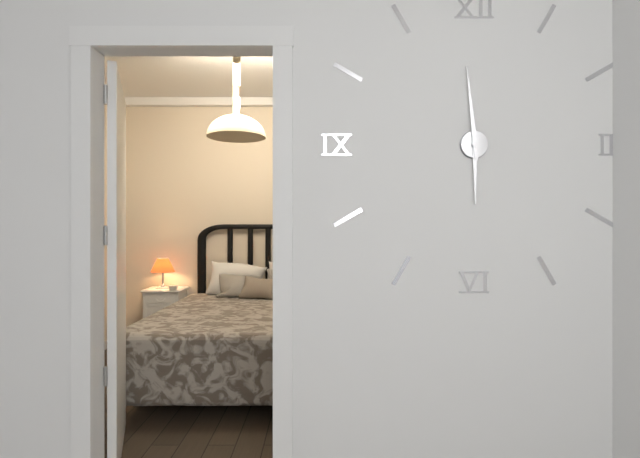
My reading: 5:59
